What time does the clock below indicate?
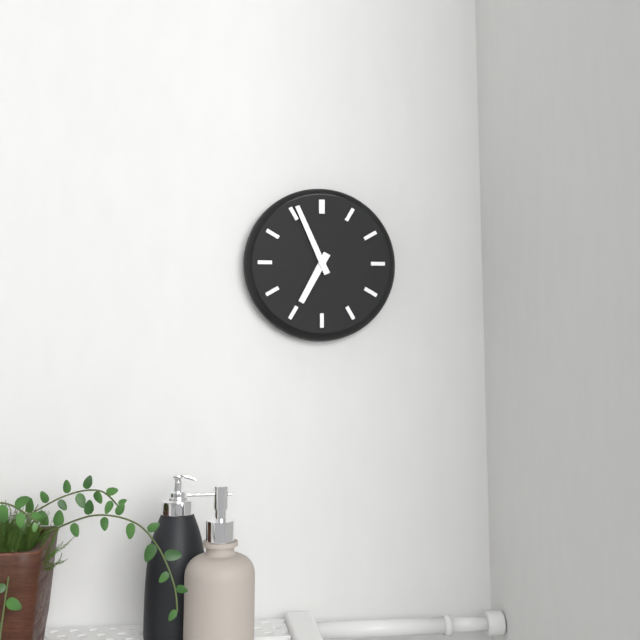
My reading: 6:56
